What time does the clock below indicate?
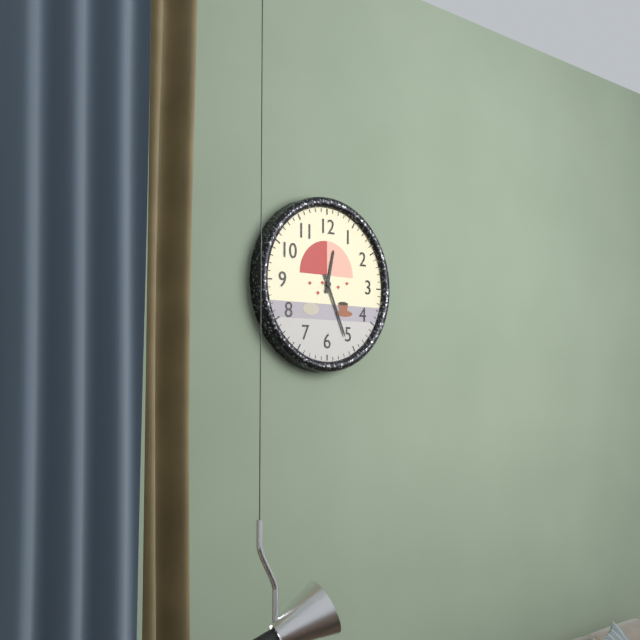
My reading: 12:26
